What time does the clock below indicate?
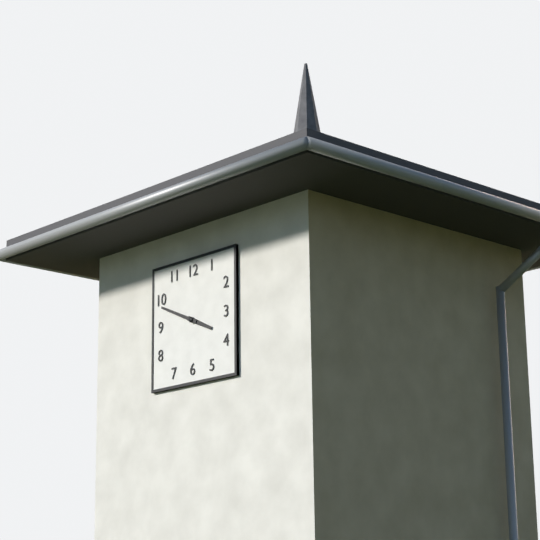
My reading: 3:49
